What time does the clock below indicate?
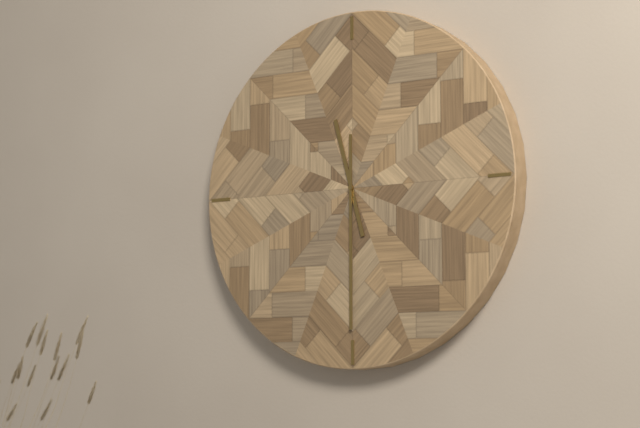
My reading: 11:30
